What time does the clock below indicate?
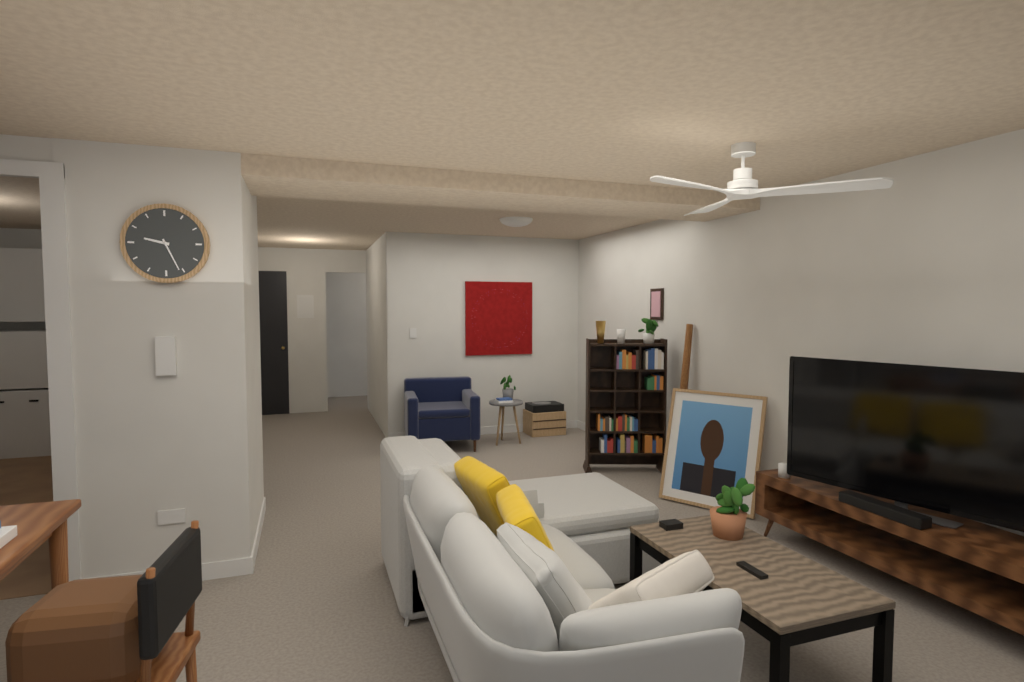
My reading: 9:26
